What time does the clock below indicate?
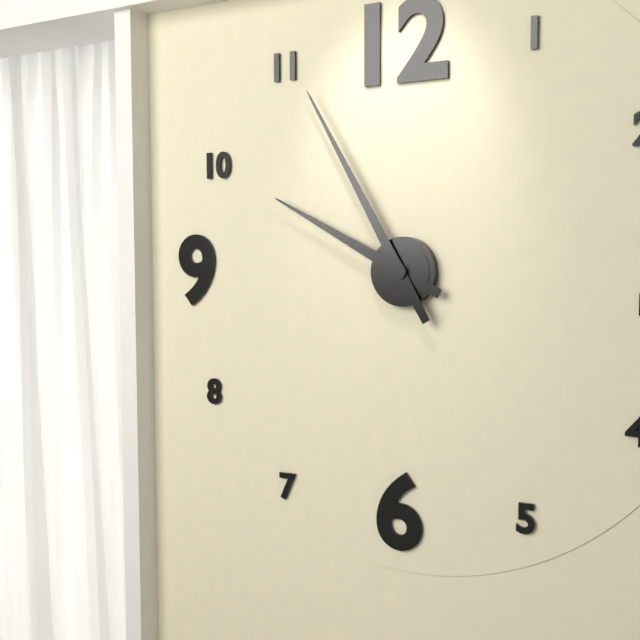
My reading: 9:55
